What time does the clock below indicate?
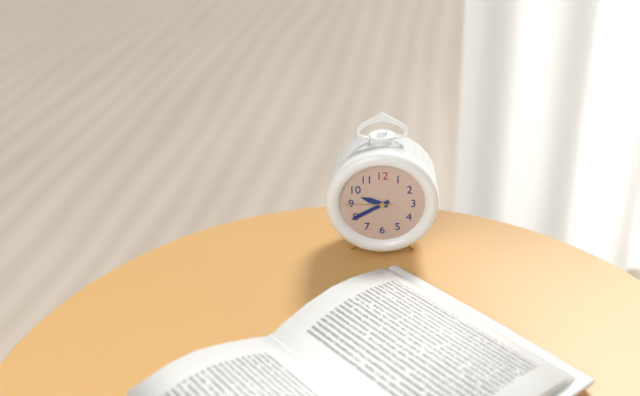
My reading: 9:40
